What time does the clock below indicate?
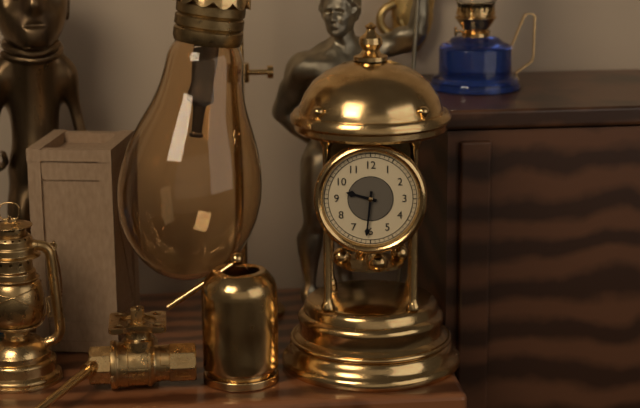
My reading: 9:31
